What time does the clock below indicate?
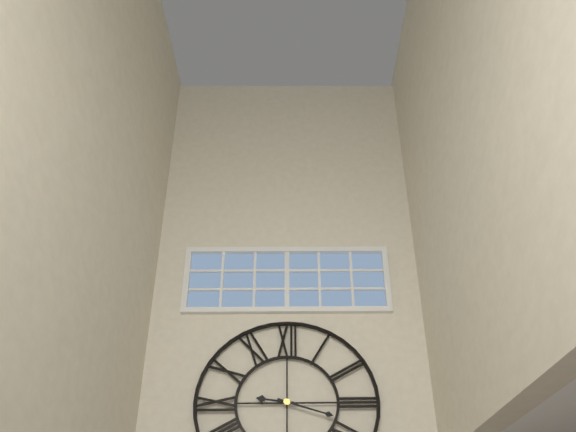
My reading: 9:18
